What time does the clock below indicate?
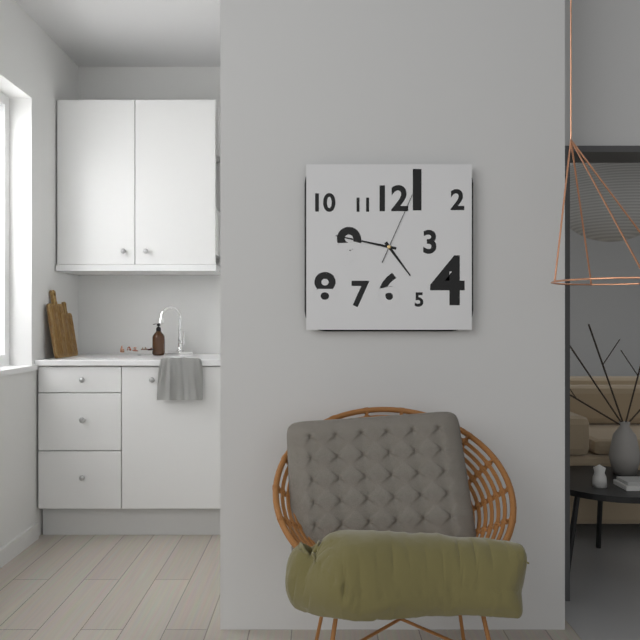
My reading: 4:47:04
